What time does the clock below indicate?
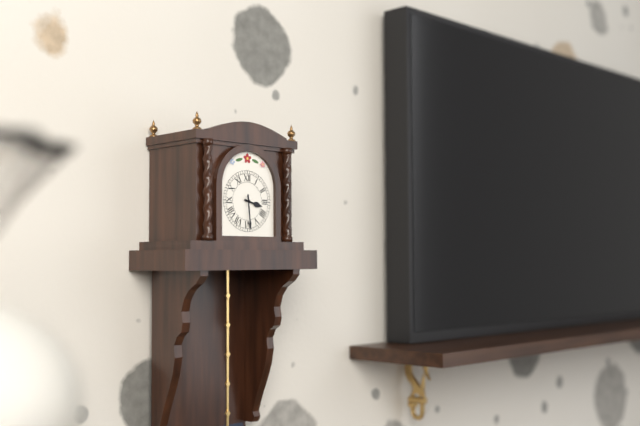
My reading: 3:29
